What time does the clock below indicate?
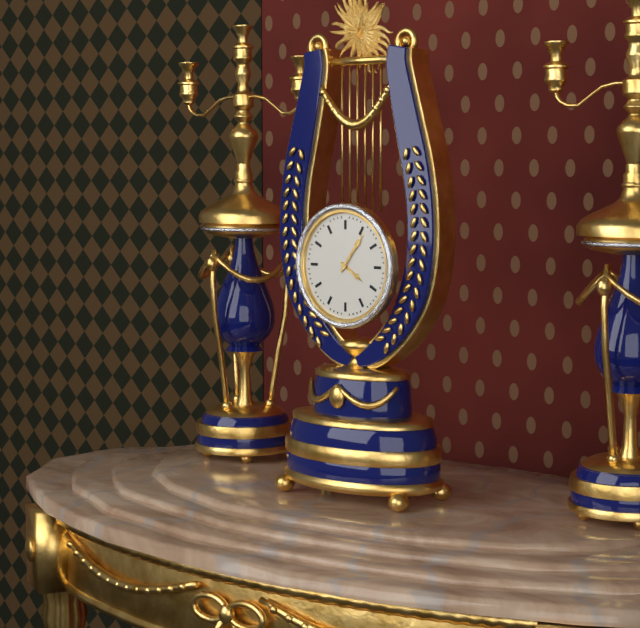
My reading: 4:06
